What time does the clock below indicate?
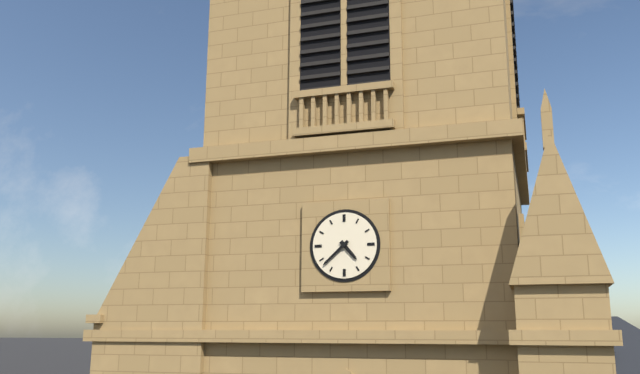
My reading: 4:38
